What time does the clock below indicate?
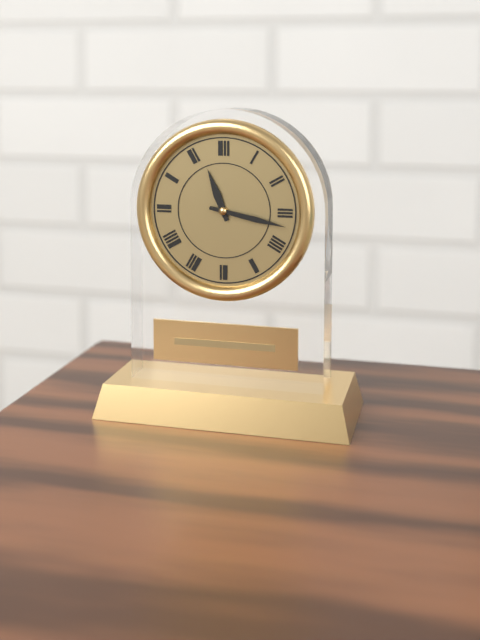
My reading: 11:17
